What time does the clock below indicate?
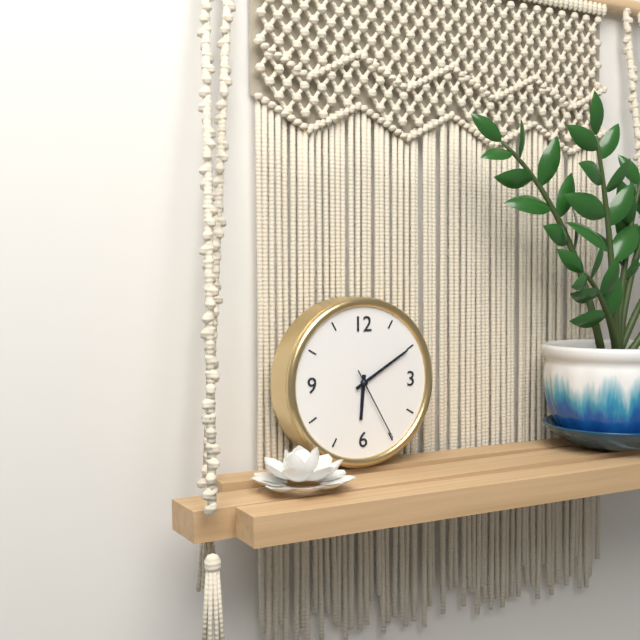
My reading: 6:10:25
